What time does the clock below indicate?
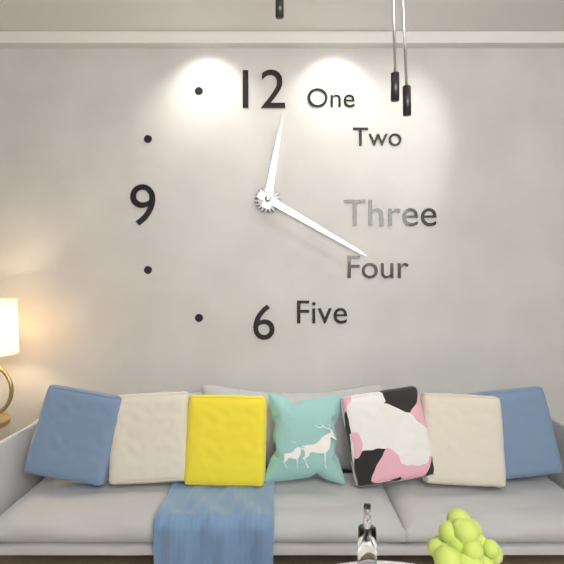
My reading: 12:20
